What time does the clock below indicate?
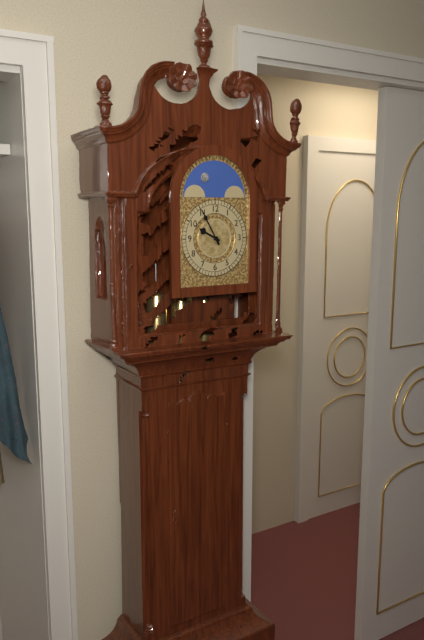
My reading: 9:55
